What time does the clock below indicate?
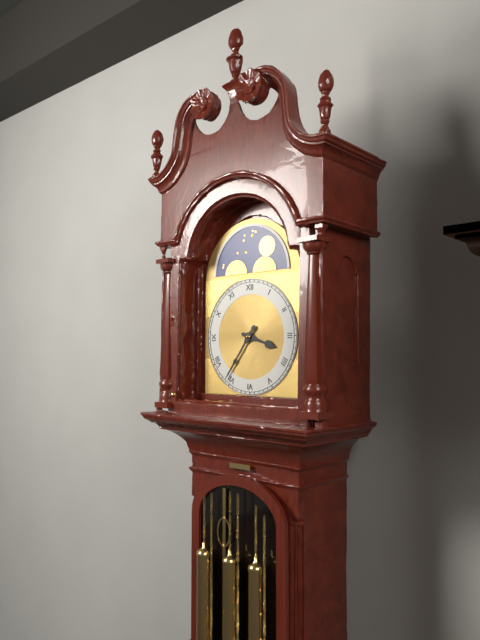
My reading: 3:36
